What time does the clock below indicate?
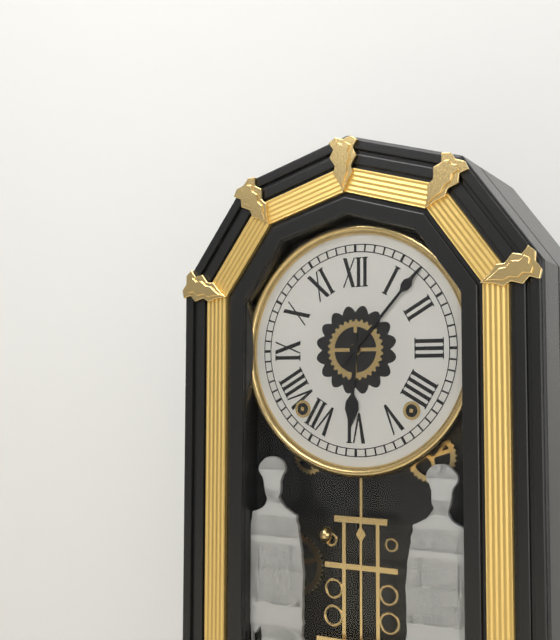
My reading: 6:07
